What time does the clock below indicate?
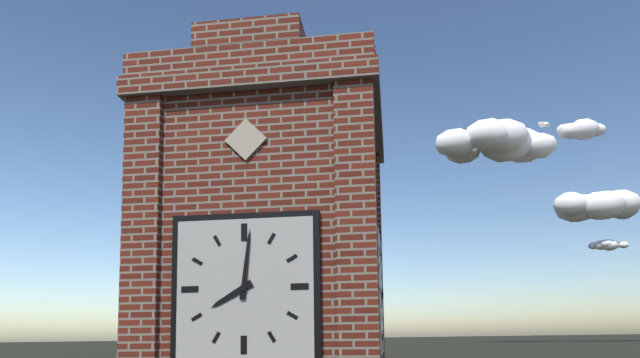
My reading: 8:01
